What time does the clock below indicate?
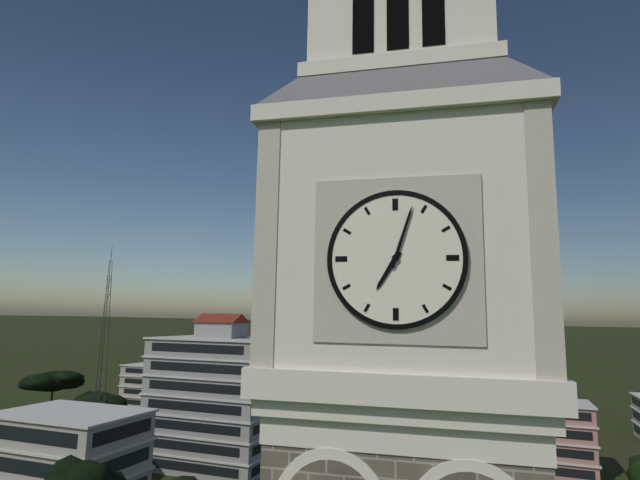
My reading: 7:03
